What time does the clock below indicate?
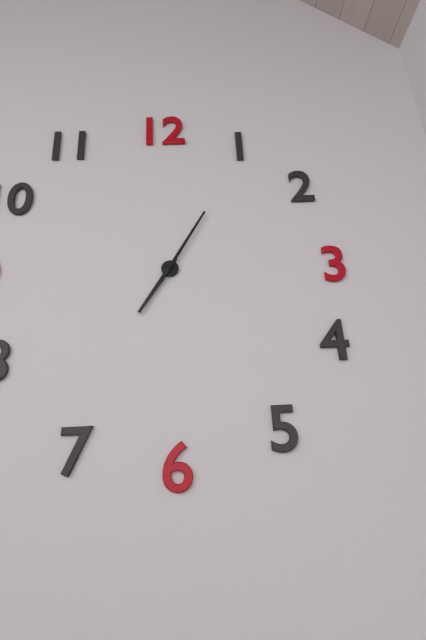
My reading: 7:05
